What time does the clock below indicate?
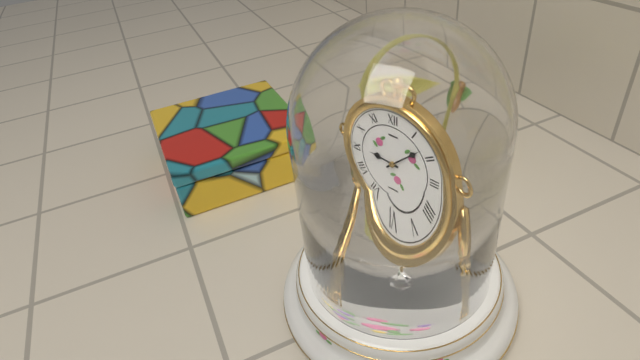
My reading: 9:08
